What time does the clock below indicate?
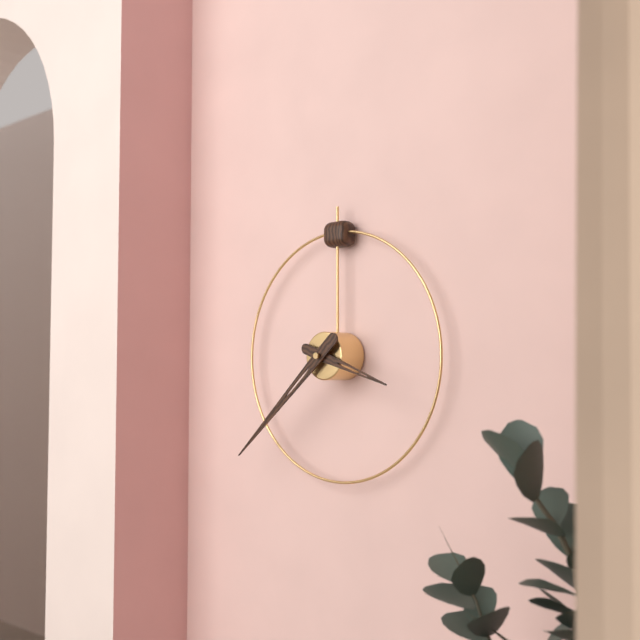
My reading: 3:38
